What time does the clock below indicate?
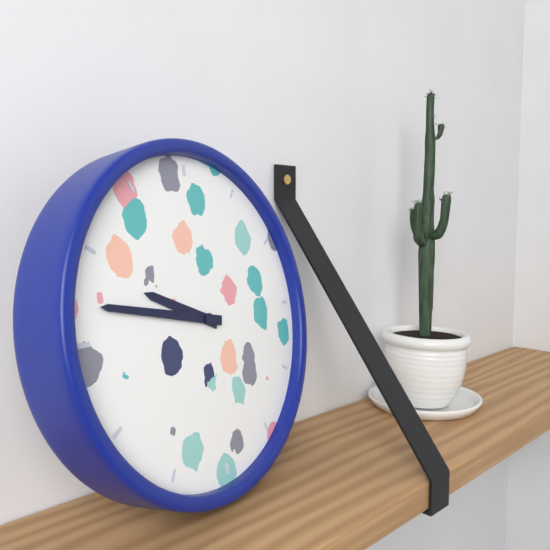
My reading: 9:47
